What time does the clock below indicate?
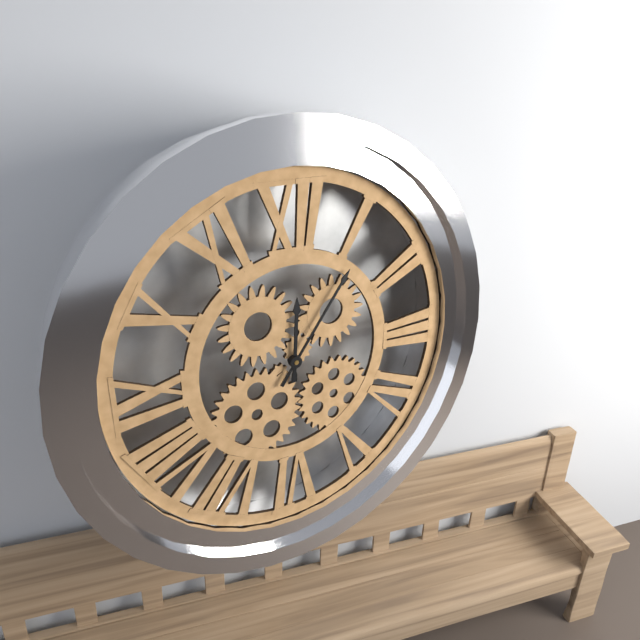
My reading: 12:06
